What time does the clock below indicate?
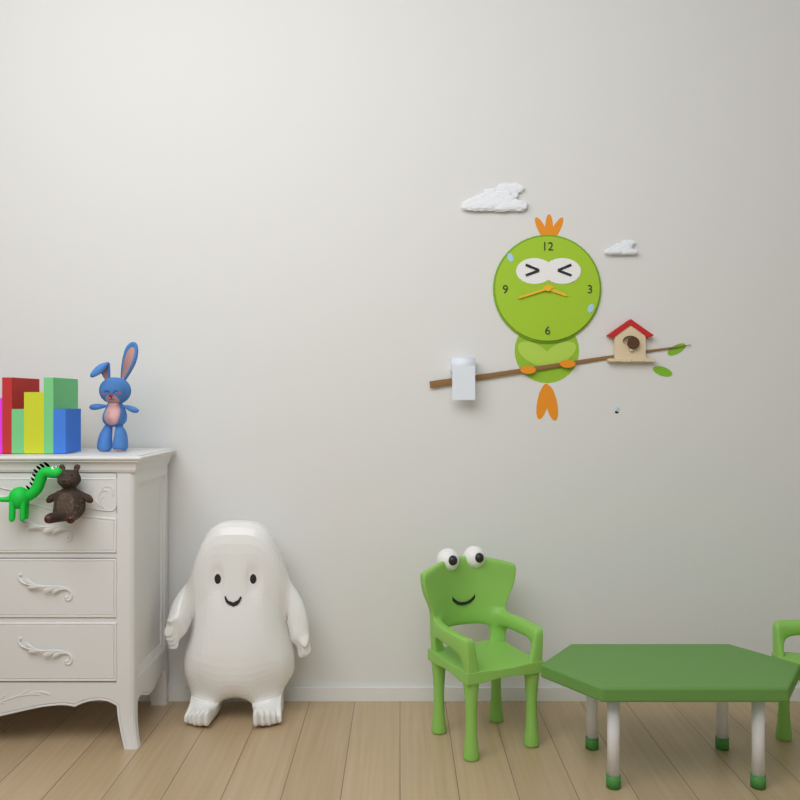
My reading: 3:42
